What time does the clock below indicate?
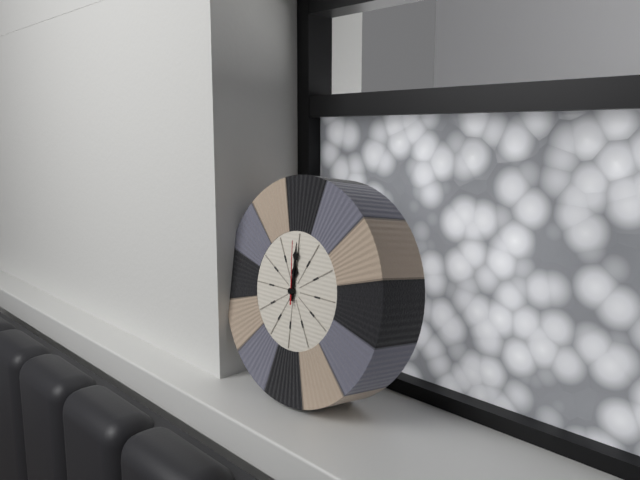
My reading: 12:00:59
